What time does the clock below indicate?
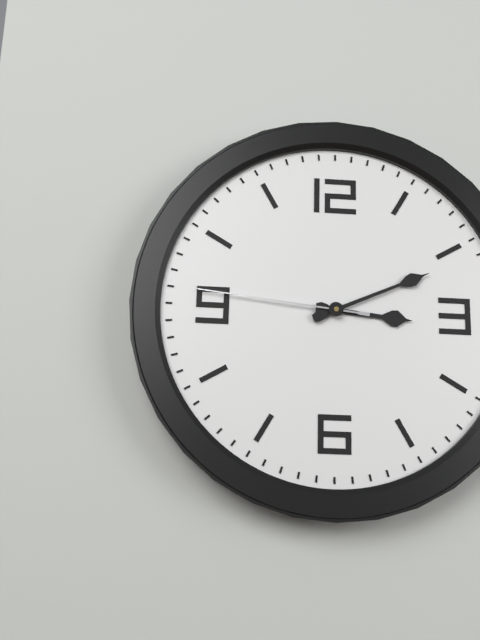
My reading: 3:11:46
